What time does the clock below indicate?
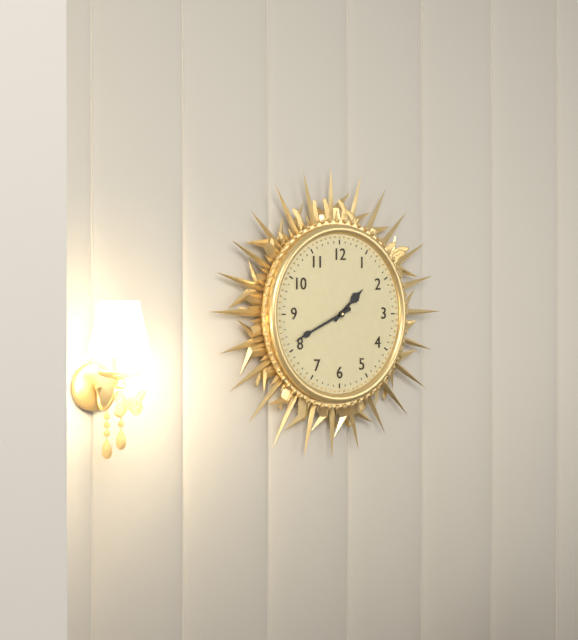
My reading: 1:41
